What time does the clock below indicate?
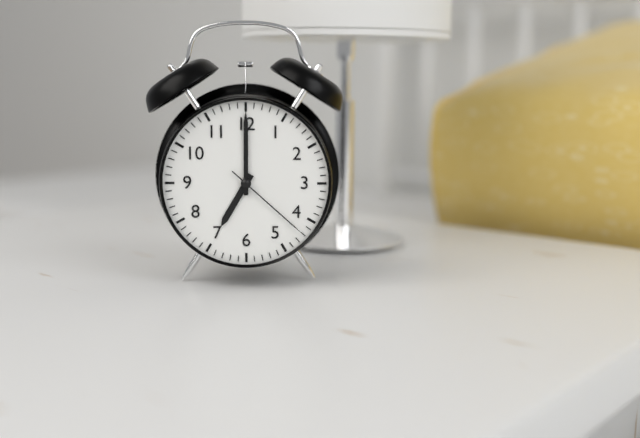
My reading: 7:00:22
